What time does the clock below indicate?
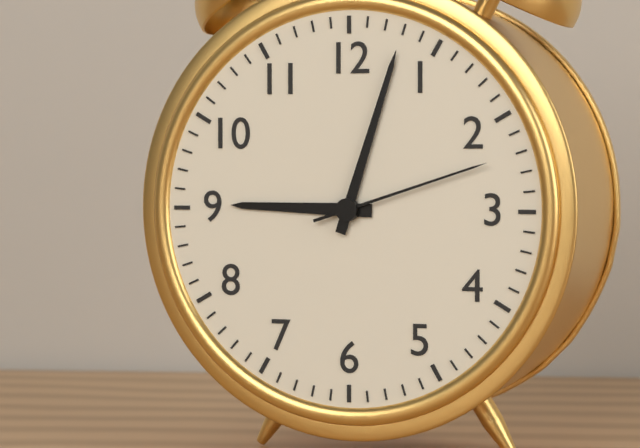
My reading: 9:03:12
